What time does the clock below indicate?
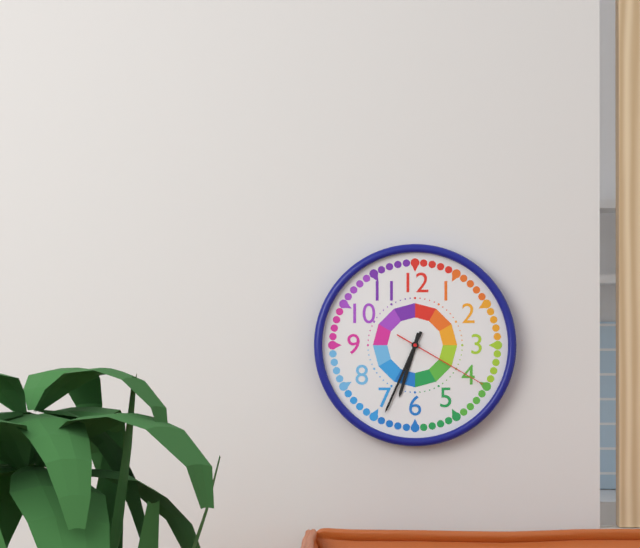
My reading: 6:34:20
